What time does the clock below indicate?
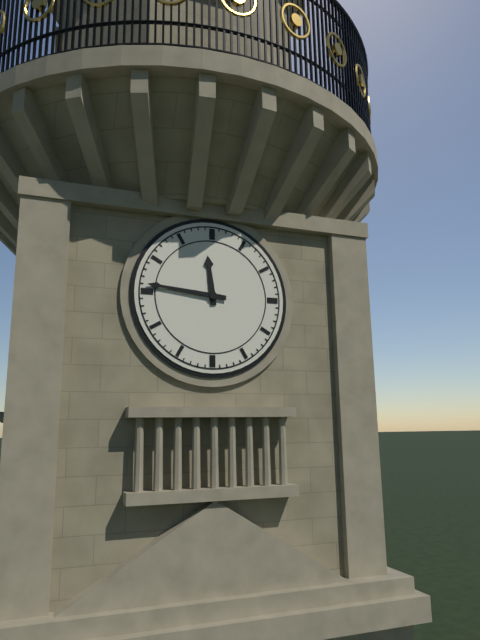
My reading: 11:46
